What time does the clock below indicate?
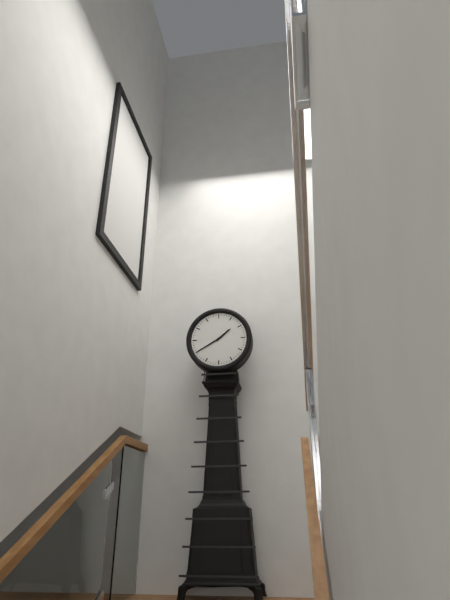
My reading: 1:40
